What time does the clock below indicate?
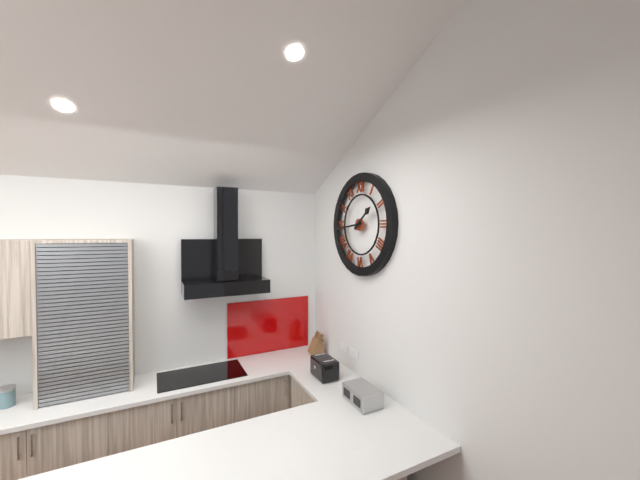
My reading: 1:44
